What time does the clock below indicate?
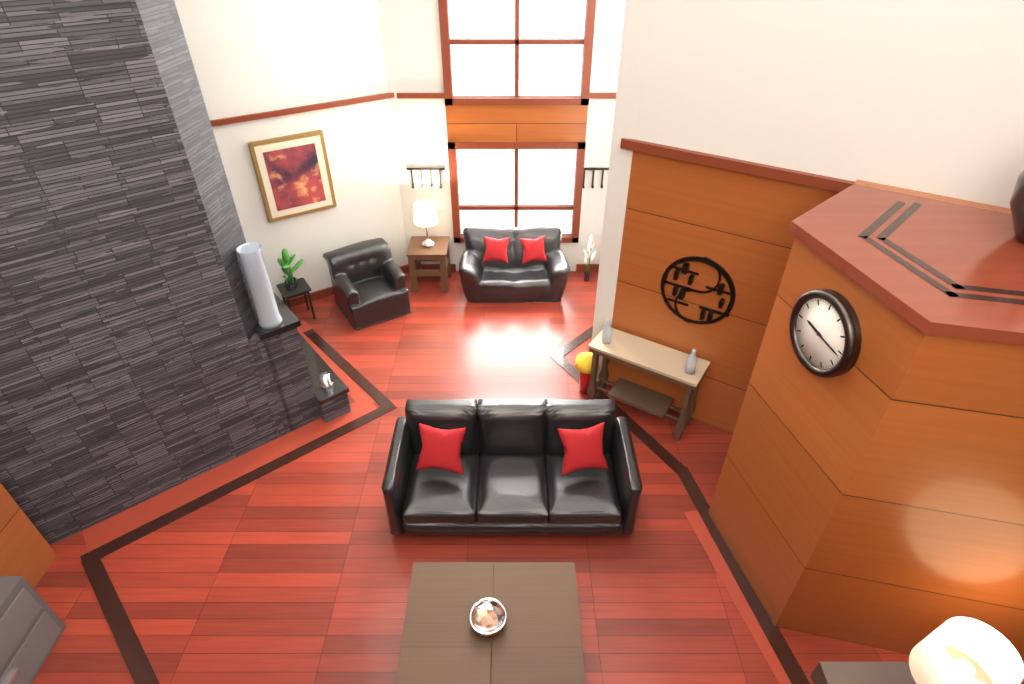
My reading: 9:16
